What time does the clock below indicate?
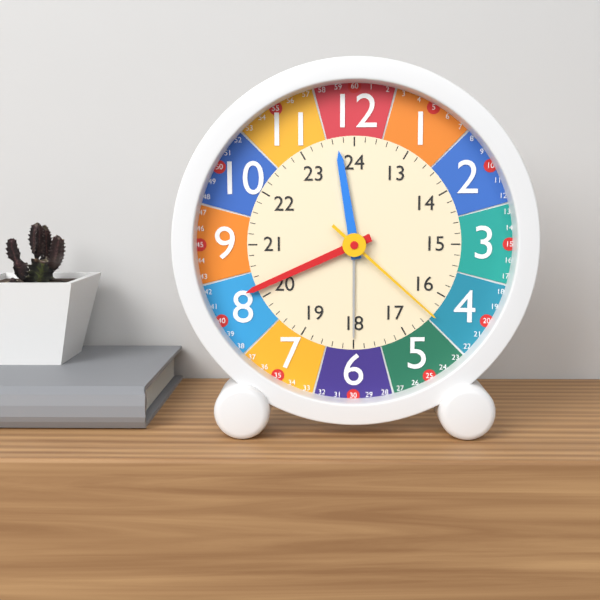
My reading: 11:41:22
